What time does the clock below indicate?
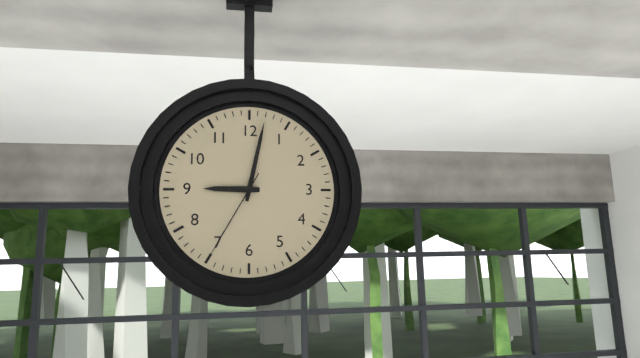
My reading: 9:02:35
